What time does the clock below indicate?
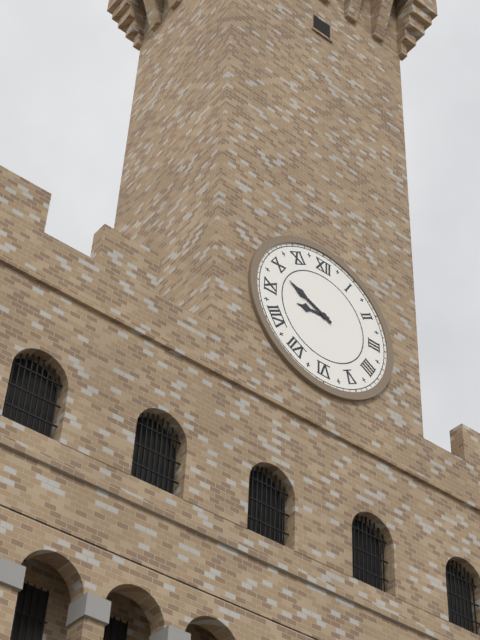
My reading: 8:49
